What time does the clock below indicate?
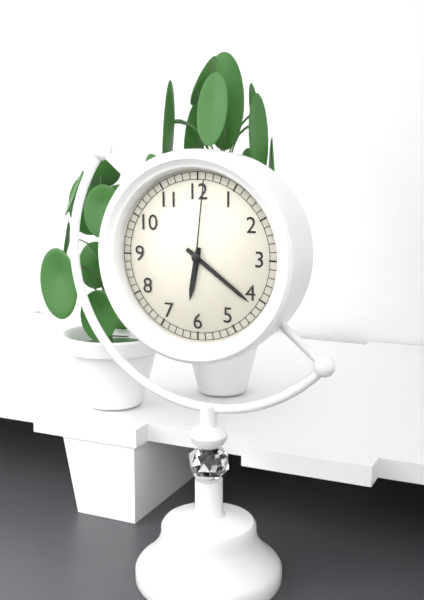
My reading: 6:21:01
